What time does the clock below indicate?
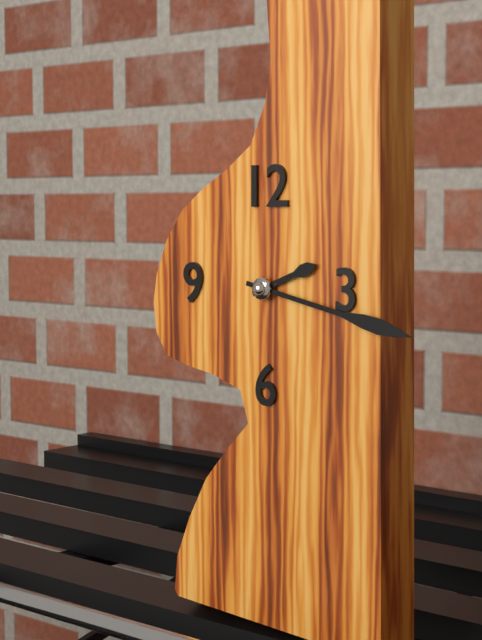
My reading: 2:17
